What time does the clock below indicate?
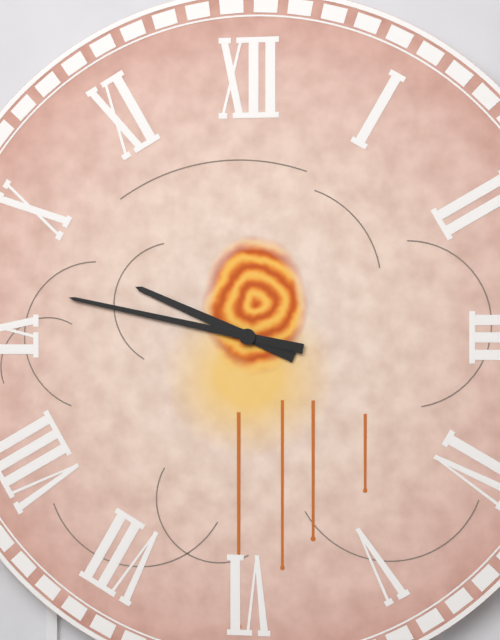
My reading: 9:47
